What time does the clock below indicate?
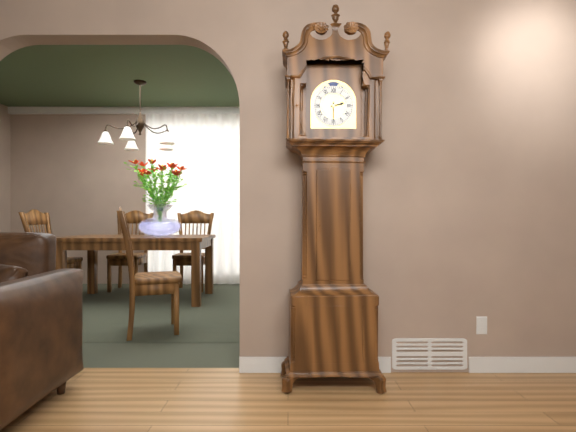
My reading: 2:30
